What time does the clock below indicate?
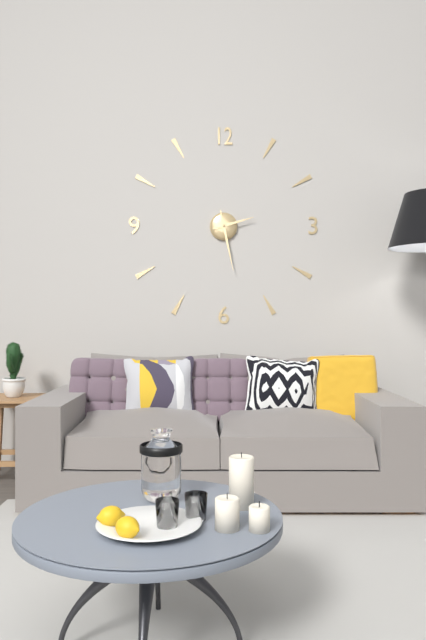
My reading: 2:28
